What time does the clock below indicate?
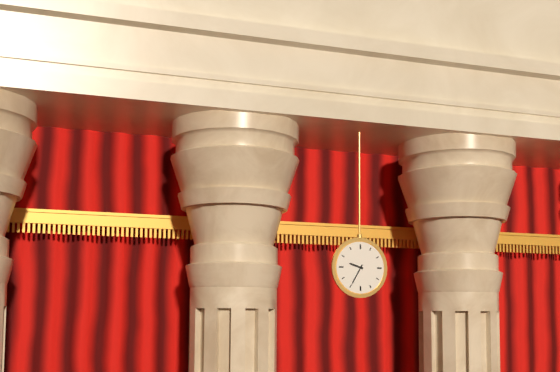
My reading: 9:35
